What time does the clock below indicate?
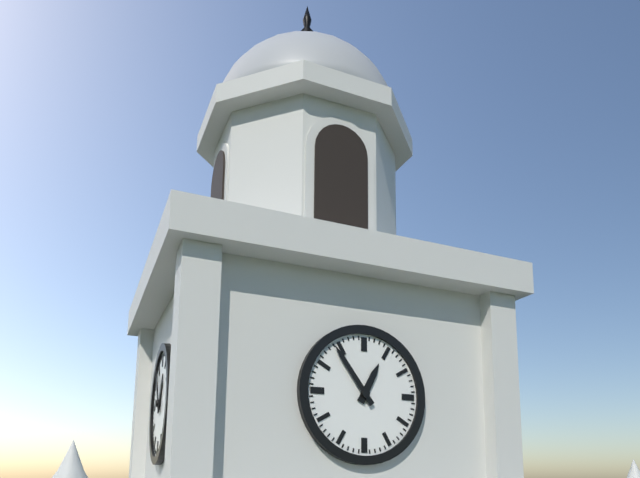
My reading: 12:54
